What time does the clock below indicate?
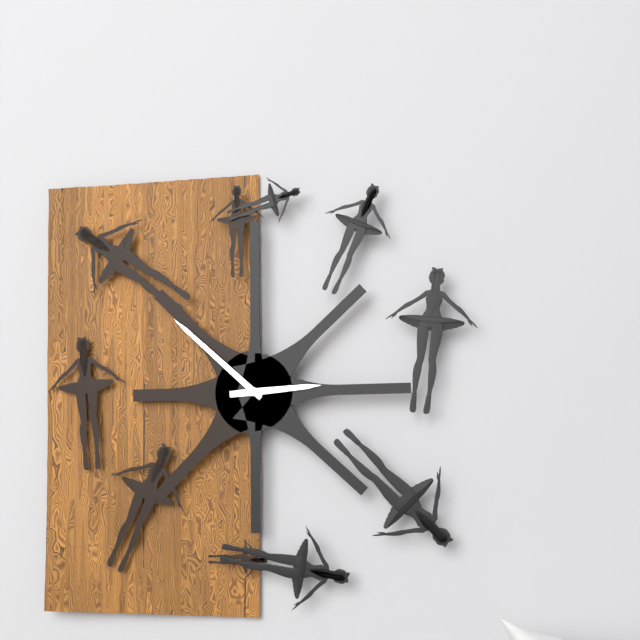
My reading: 2:52
